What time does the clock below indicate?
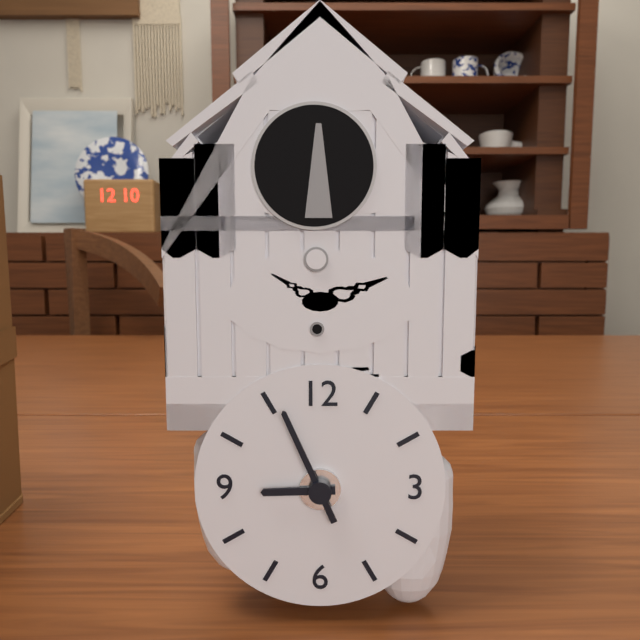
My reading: 8:56
